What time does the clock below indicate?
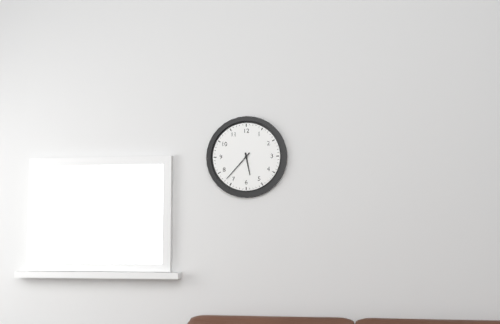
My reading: 5:37
